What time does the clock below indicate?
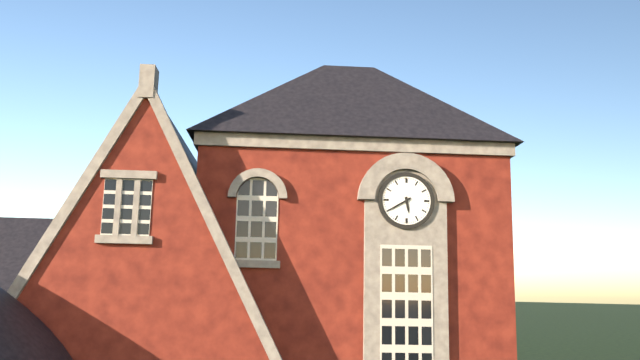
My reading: 5:40
